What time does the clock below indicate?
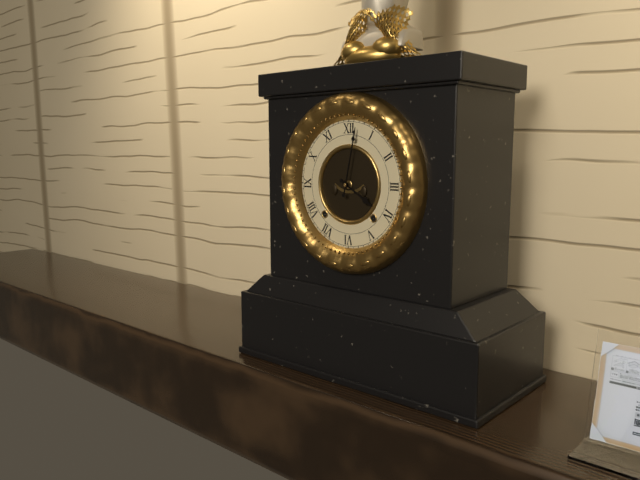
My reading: 4:02
